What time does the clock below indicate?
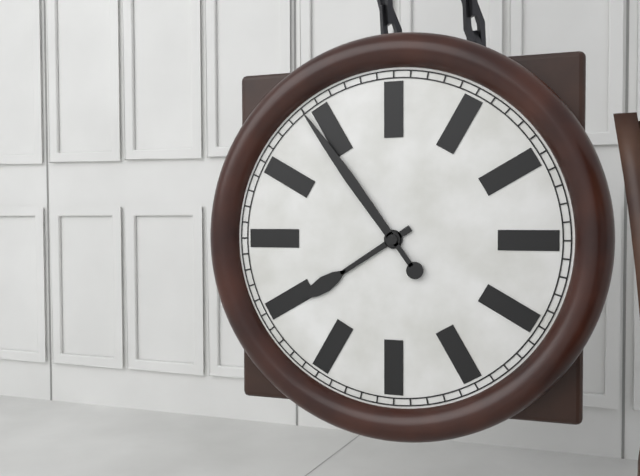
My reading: 7:54
